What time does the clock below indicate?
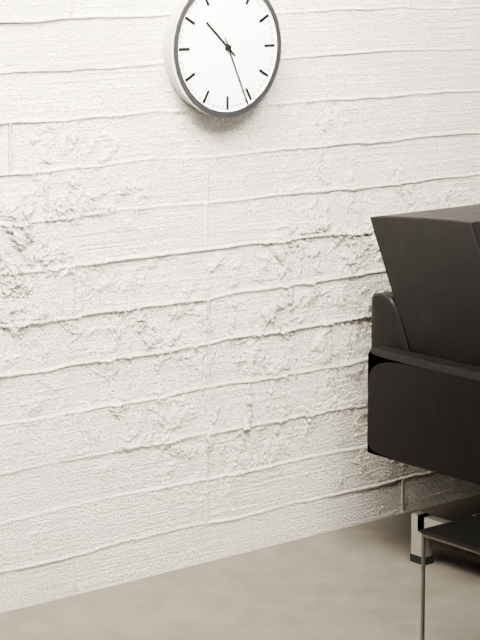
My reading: 10:26
